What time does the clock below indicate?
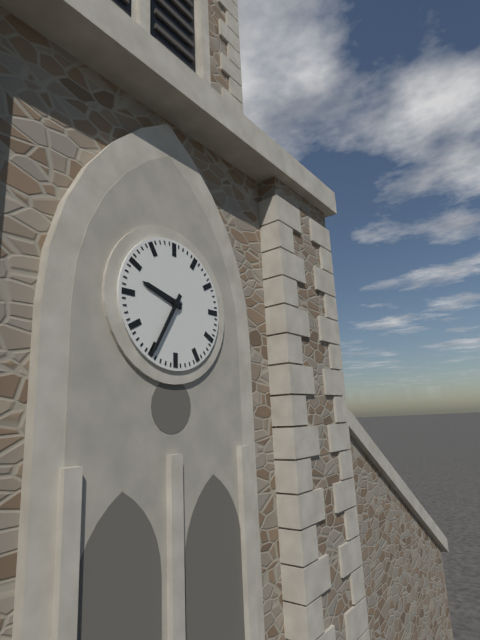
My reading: 9:35
